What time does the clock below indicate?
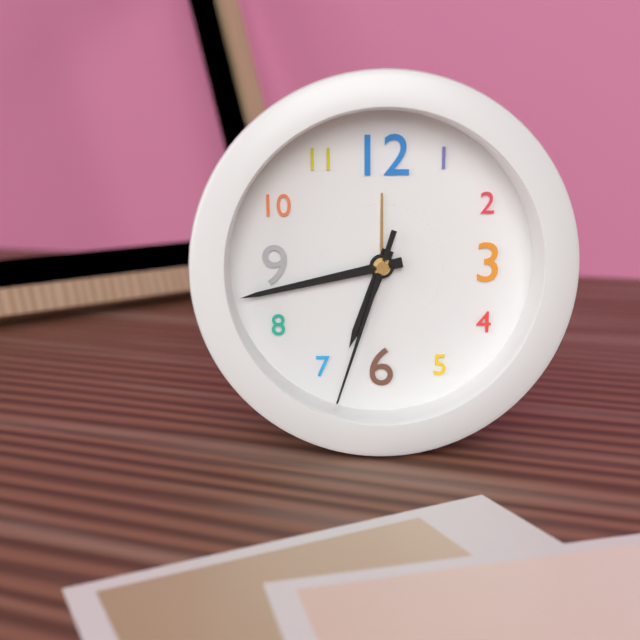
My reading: 6:43:33
